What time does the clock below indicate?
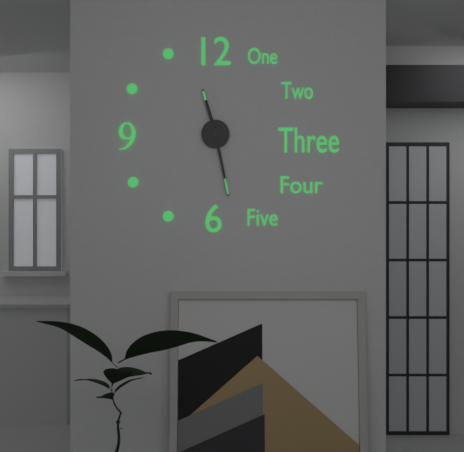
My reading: 11:28
